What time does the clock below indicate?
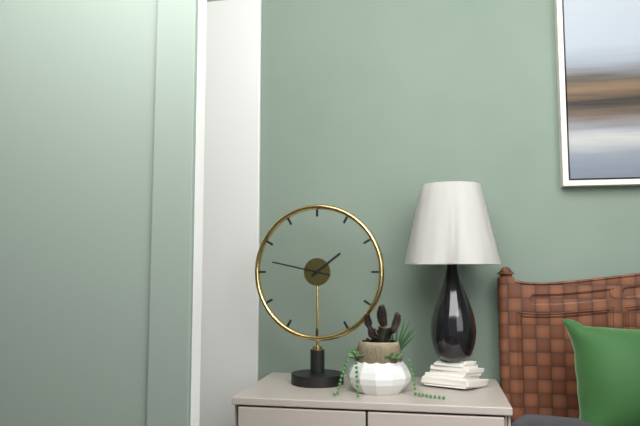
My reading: 1:47
